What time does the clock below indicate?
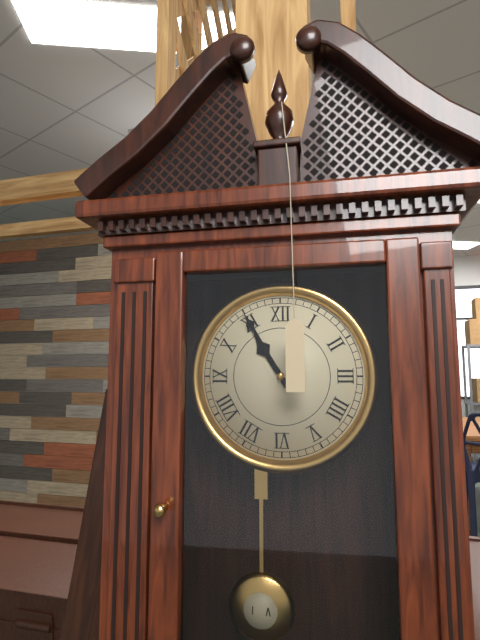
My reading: 10:55
